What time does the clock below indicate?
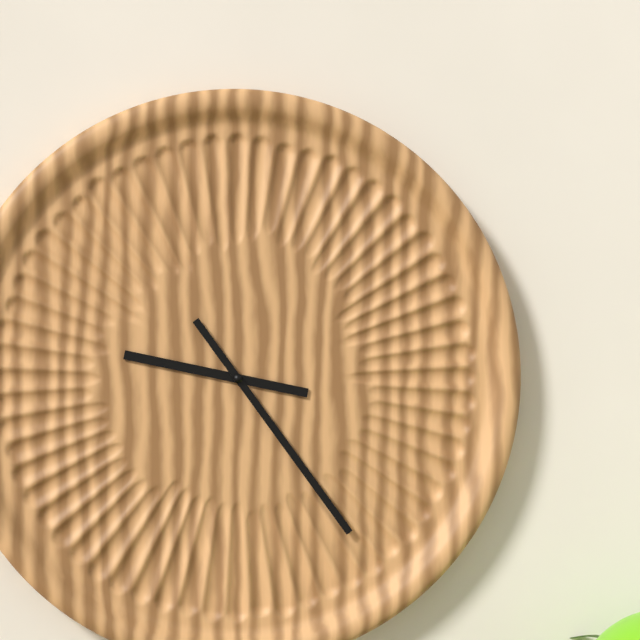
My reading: 9:24
